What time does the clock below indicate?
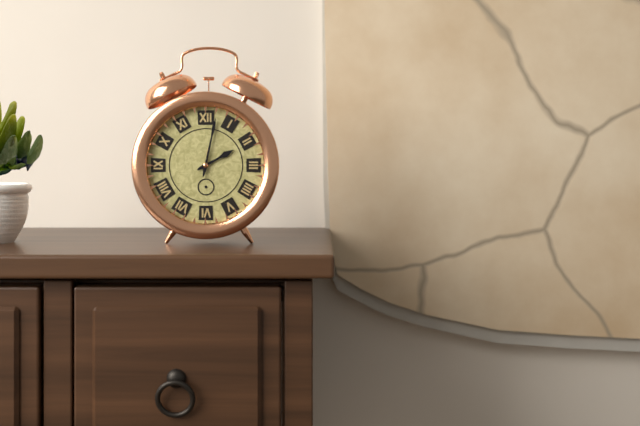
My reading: 2:02
